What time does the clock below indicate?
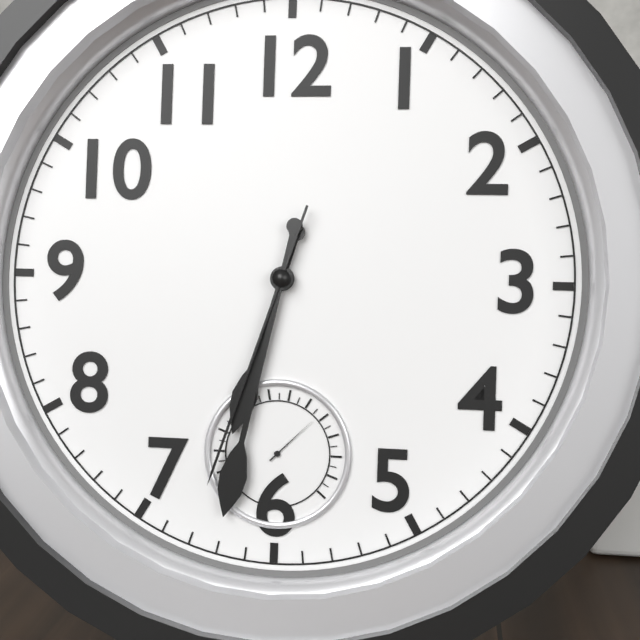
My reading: 6:32:33
